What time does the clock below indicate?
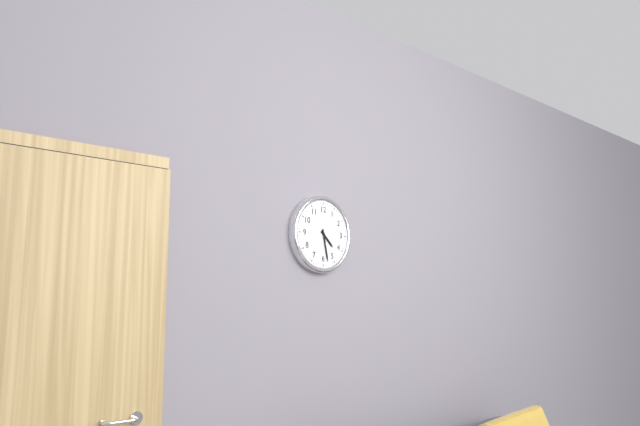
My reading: 4:28
